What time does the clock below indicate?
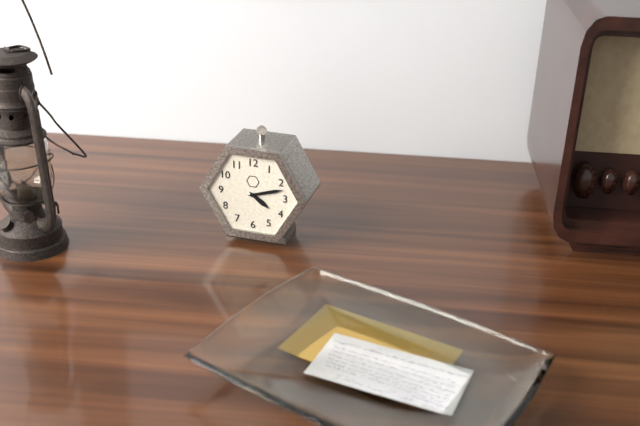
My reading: 4:12
